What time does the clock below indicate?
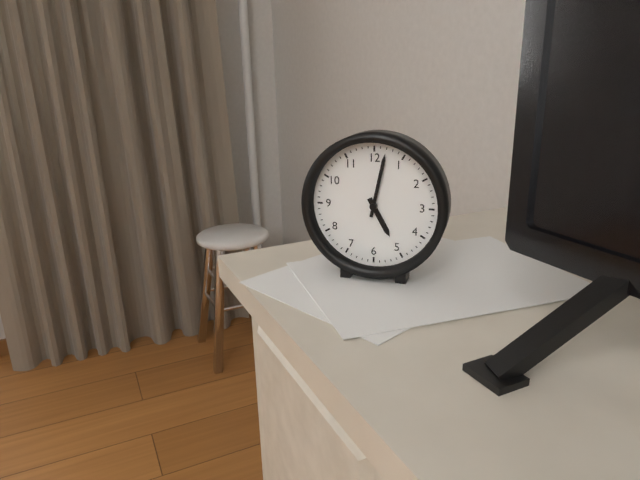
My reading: 5:02
